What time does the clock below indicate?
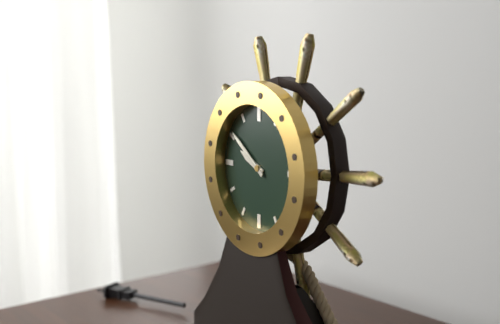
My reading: 9:51
